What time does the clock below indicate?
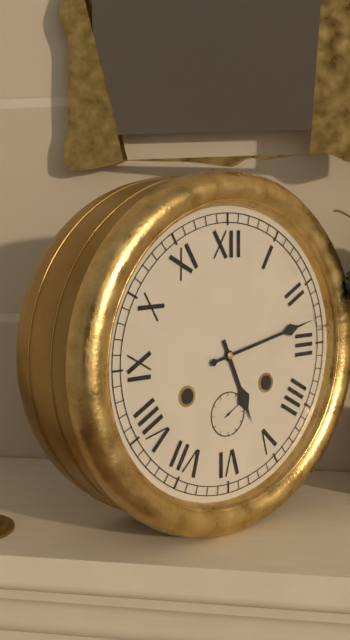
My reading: 5:13
